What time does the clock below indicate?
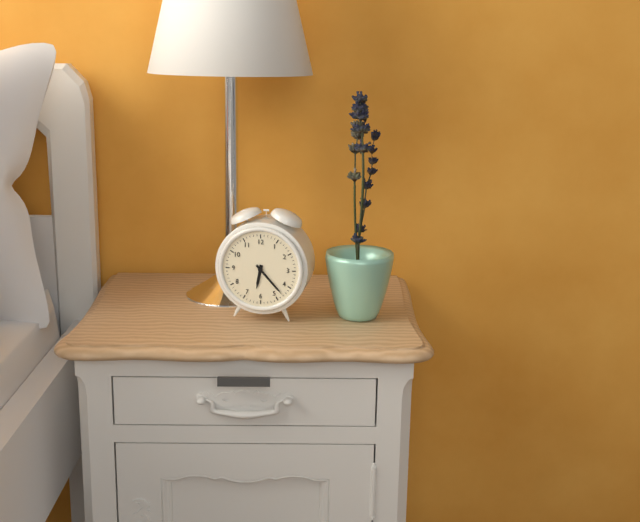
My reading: 6:23
